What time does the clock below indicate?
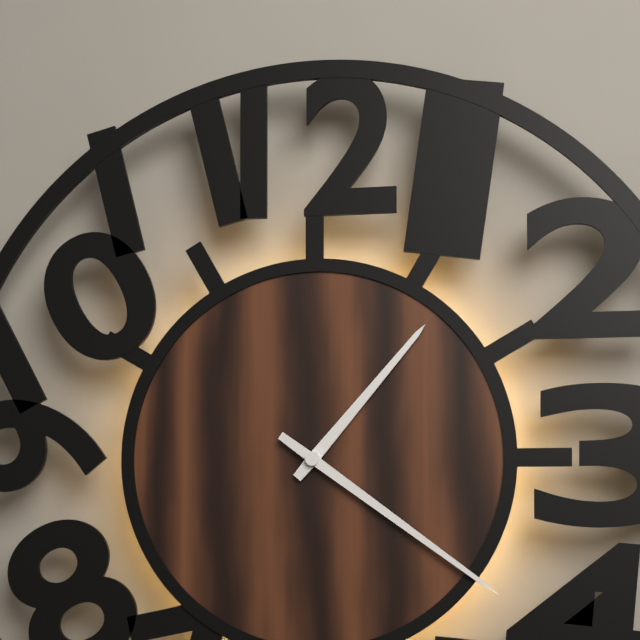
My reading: 1:21
